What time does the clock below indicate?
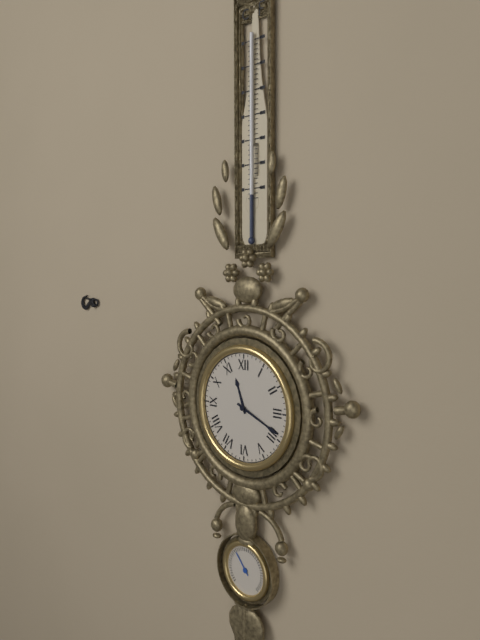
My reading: 11:19
